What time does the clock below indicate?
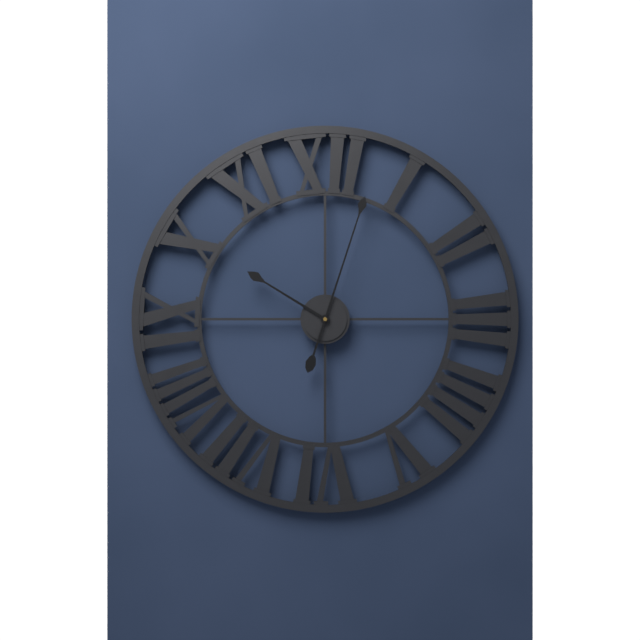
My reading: 10:03
